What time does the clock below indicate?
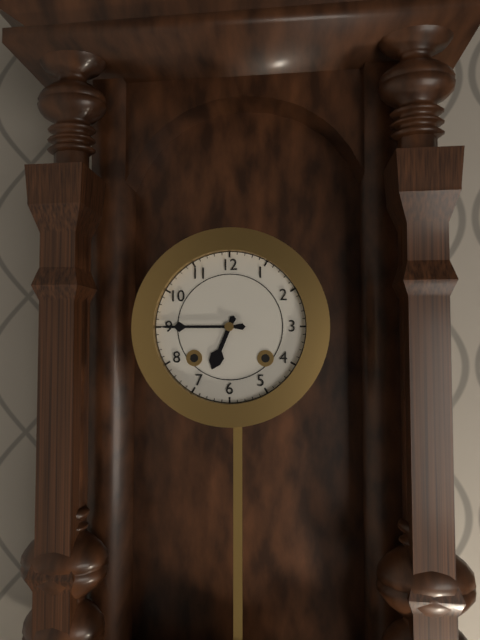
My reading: 6:45
